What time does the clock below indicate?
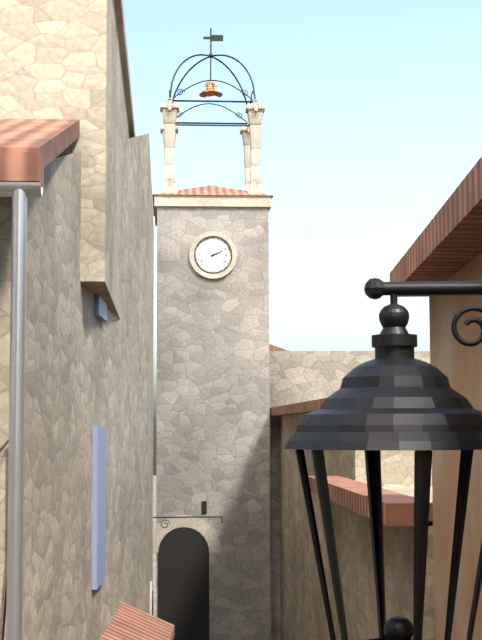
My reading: 2:11
